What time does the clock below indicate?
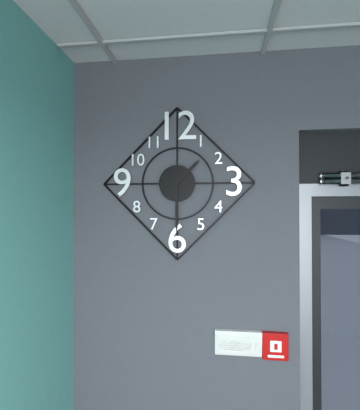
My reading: 1:30
